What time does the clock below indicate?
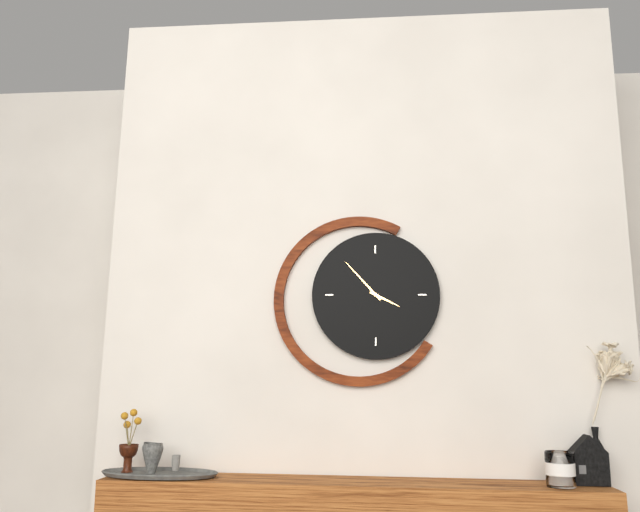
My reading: 3:53
